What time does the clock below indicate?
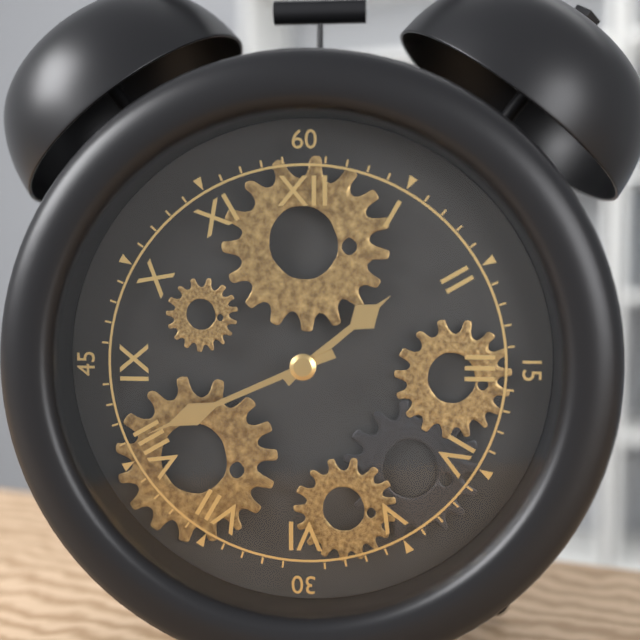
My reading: 1:41
